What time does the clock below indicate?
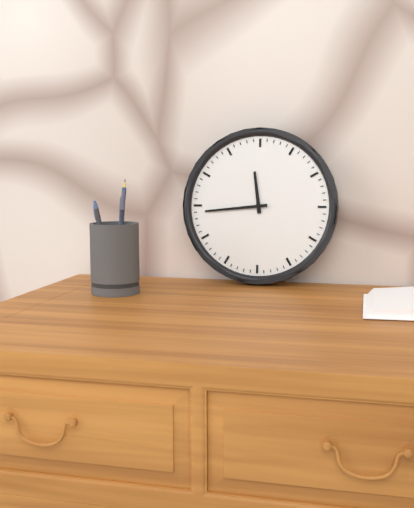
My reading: 11:44
